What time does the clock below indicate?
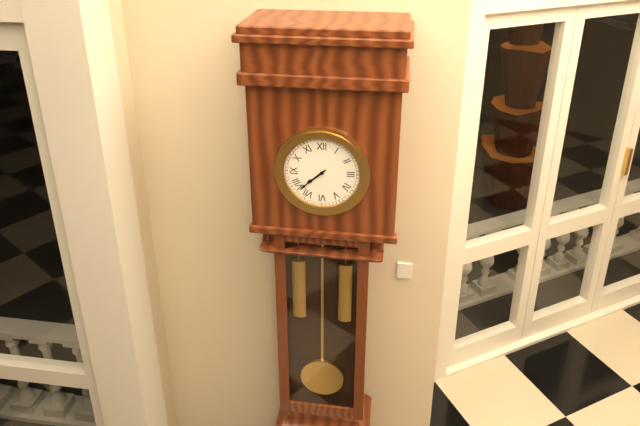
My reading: 7:38
